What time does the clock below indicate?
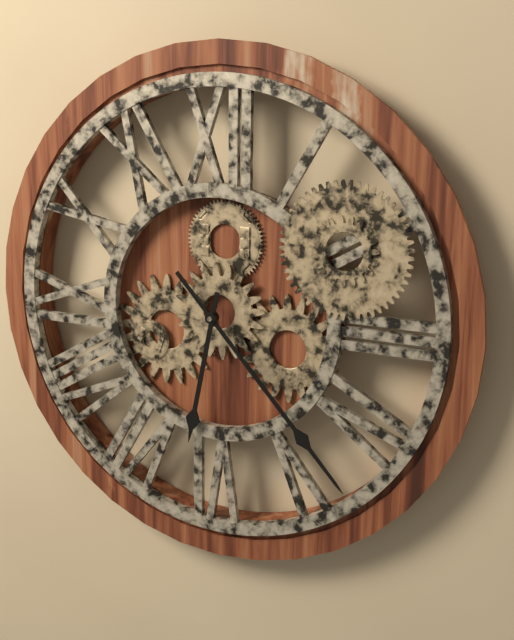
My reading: 6:23
